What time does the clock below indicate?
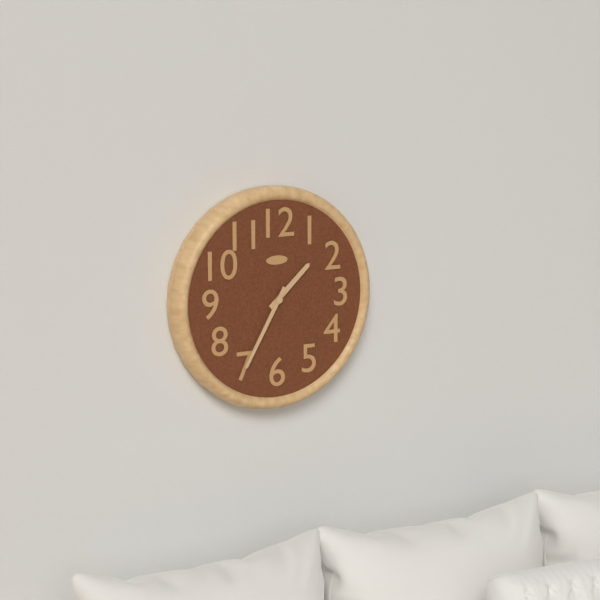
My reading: 1:35
